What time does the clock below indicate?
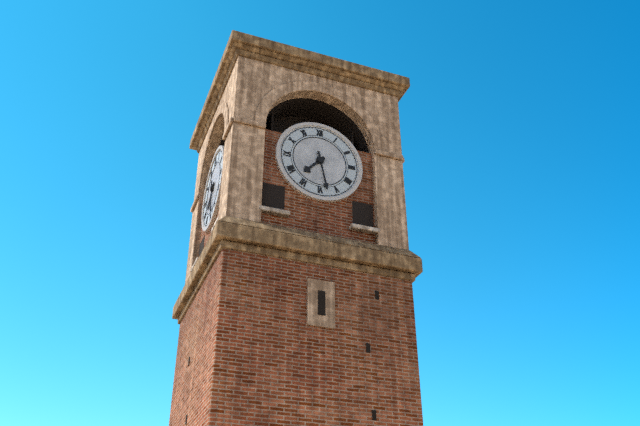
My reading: 7:28
